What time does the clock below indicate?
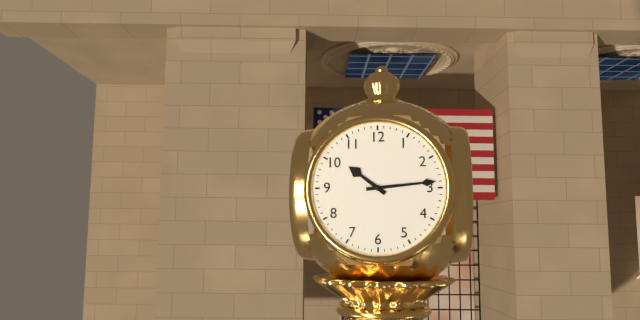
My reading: 10:14
